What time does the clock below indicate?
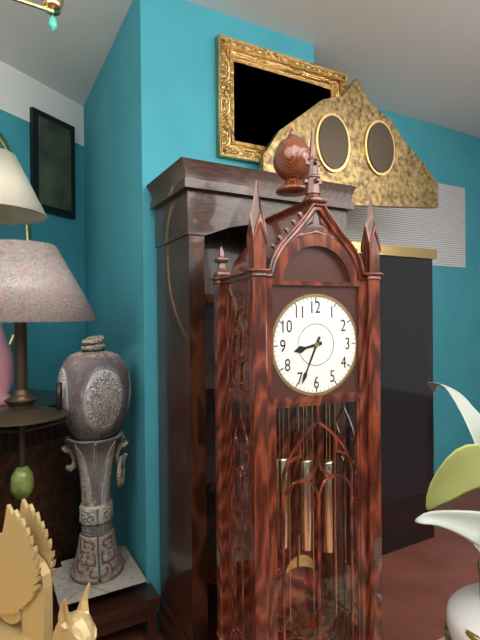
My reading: 8:34
